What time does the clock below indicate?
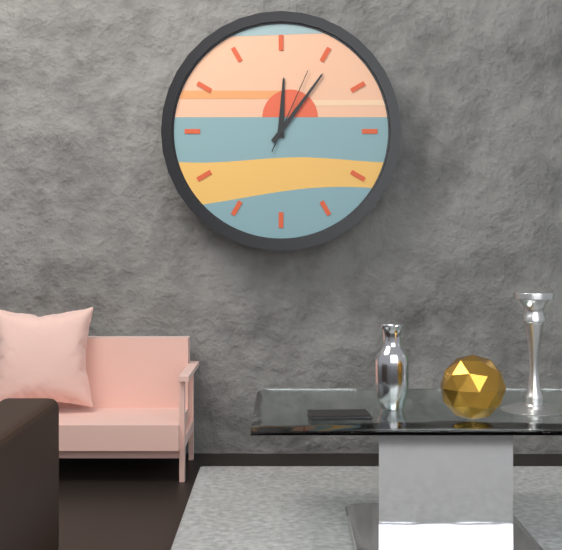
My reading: 12:06:04
